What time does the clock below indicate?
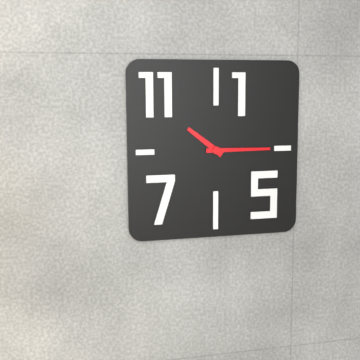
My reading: 10:15
